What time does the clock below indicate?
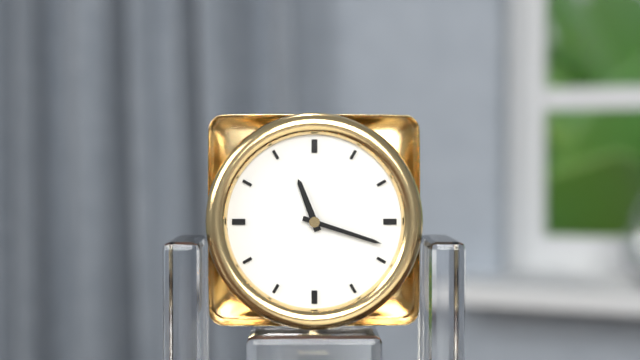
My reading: 11:18
